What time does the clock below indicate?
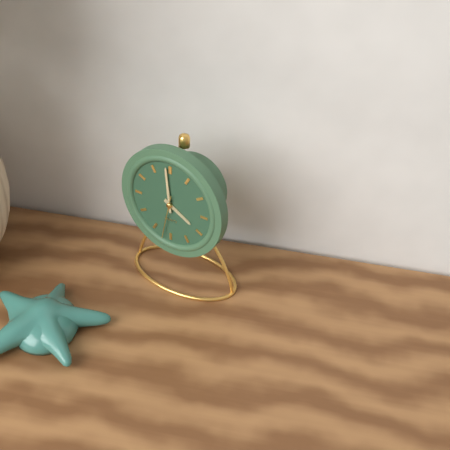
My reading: 3:59
